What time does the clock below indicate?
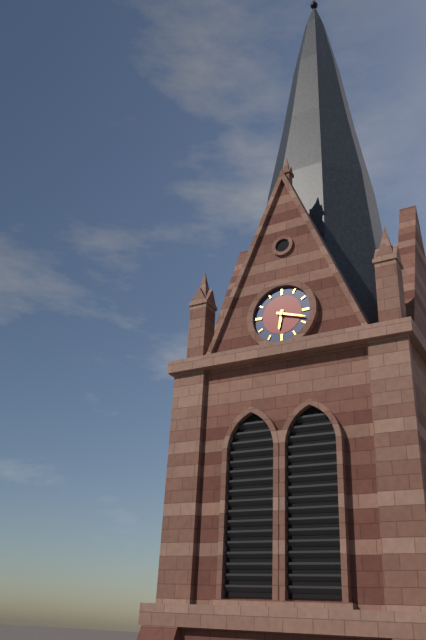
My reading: 6:18
